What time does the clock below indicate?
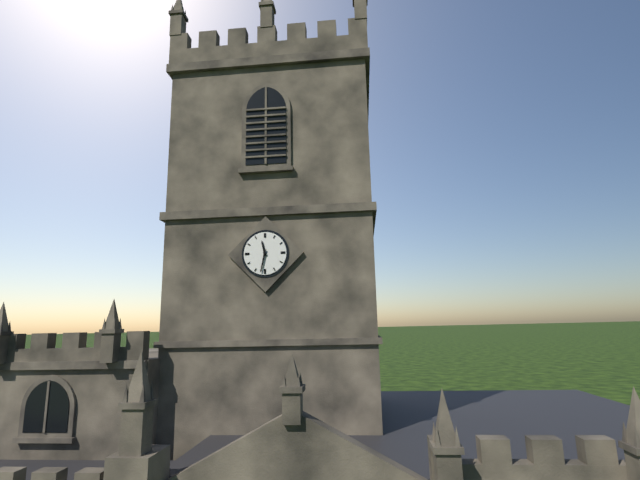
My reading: 11:32
